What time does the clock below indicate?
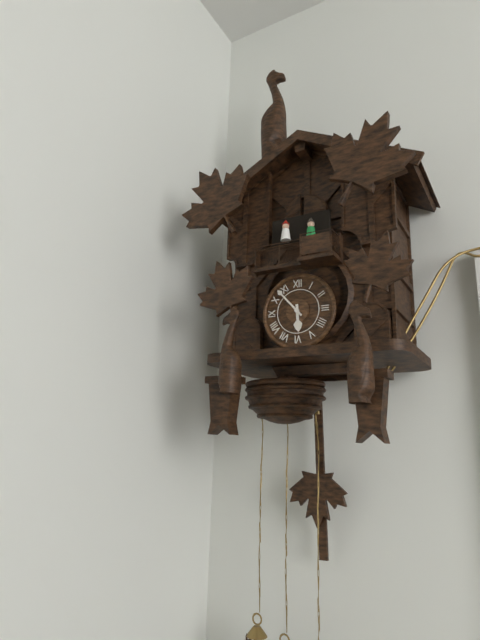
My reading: 5:53
